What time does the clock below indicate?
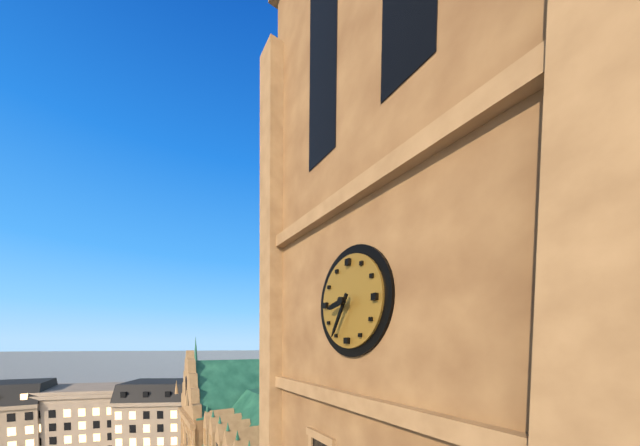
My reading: 8:35
